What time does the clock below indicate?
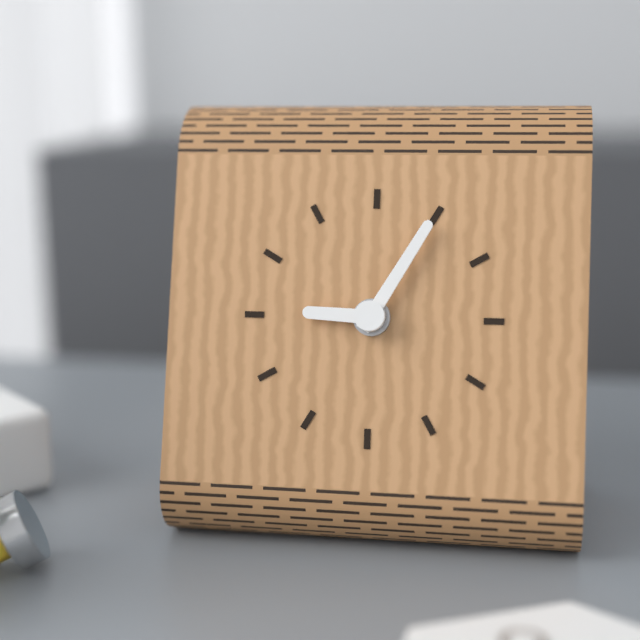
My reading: 9:05
